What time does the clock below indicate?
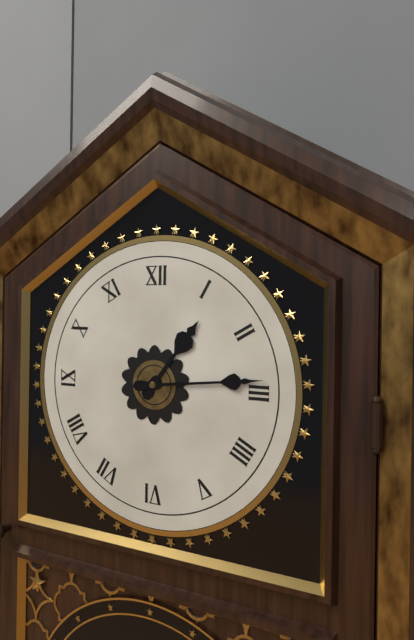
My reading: 1:14
